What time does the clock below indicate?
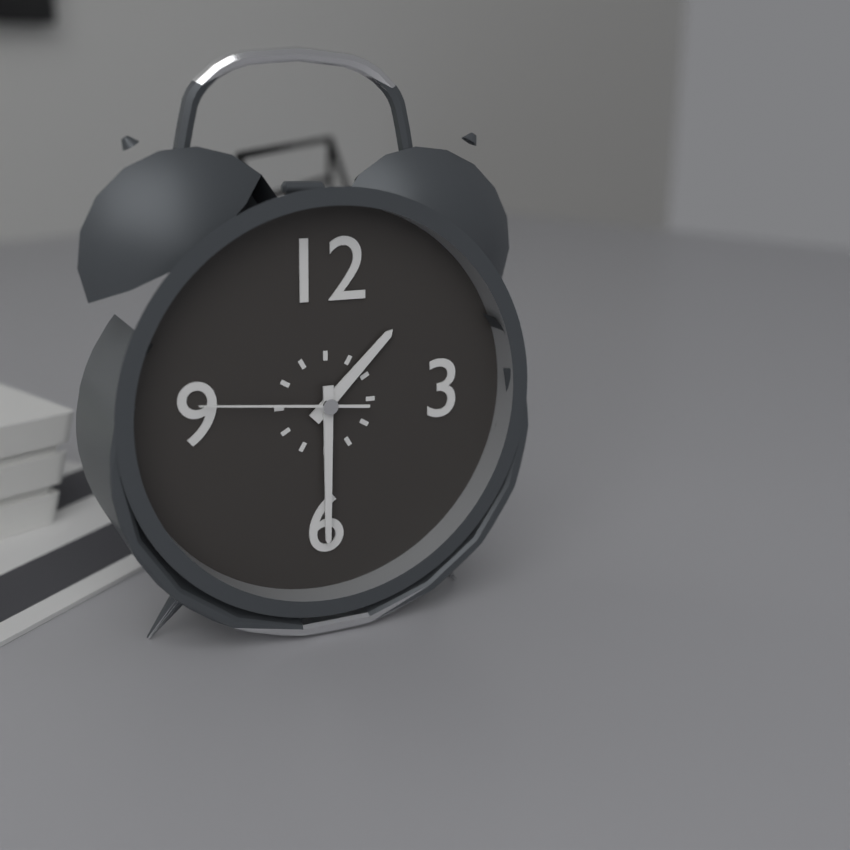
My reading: 1:30:46
